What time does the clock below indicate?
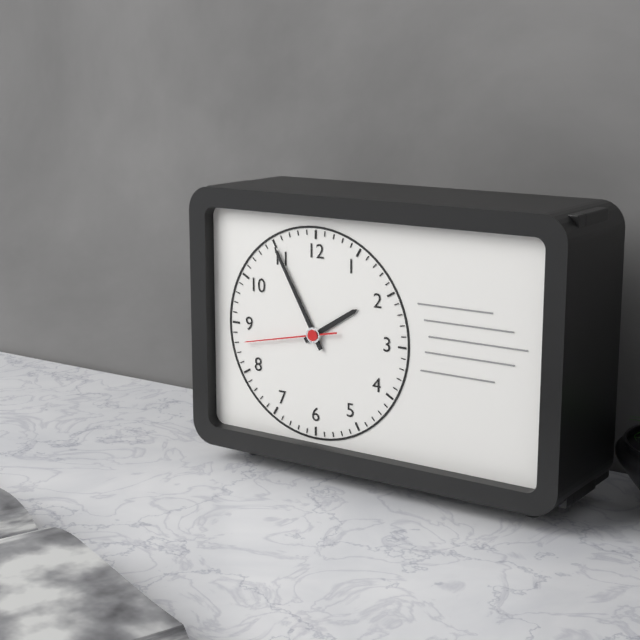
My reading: 1:55:43
